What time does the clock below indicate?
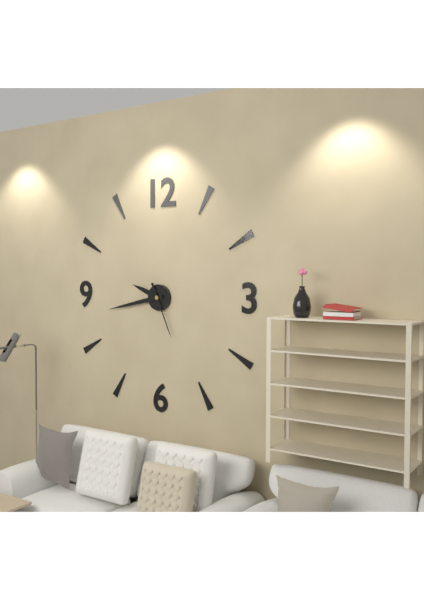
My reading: 9:43:26
